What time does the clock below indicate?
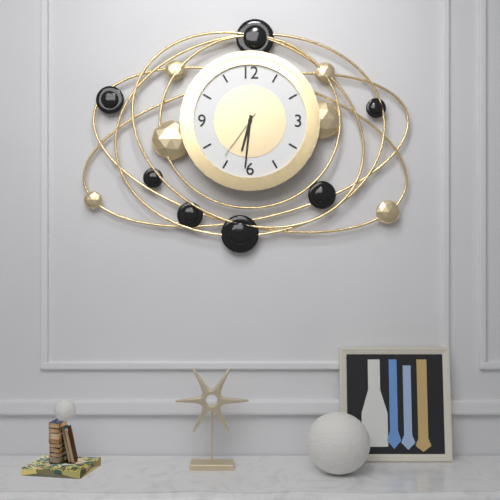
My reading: 6:31:36
